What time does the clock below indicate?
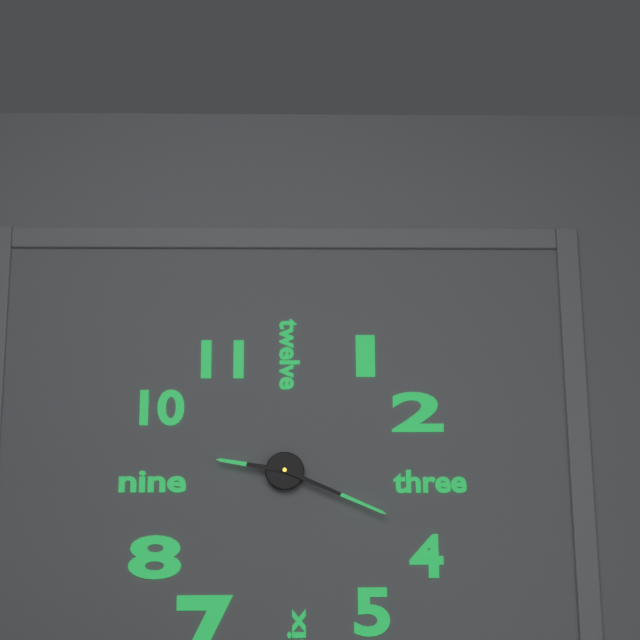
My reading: 9:19
